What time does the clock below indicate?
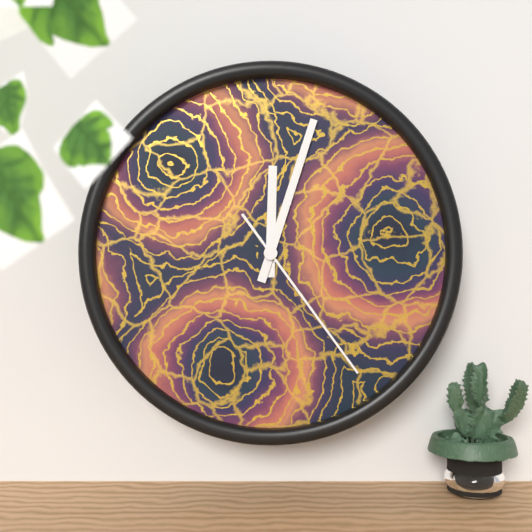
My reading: 12:03:24
